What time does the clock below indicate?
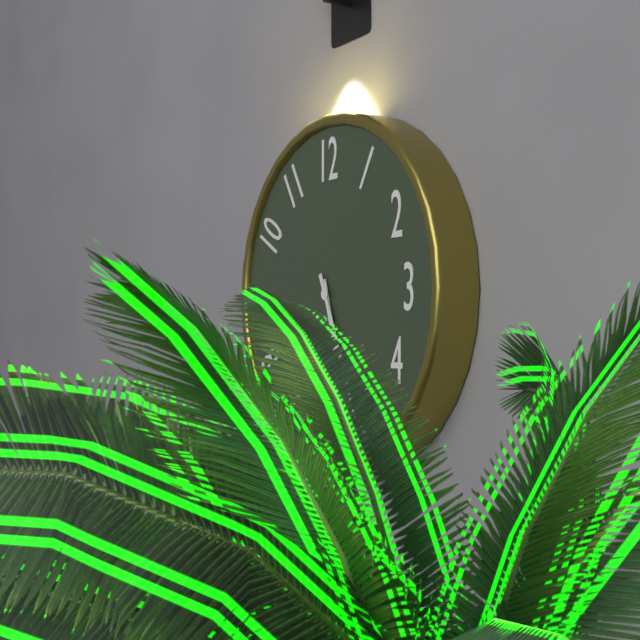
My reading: 5:26
